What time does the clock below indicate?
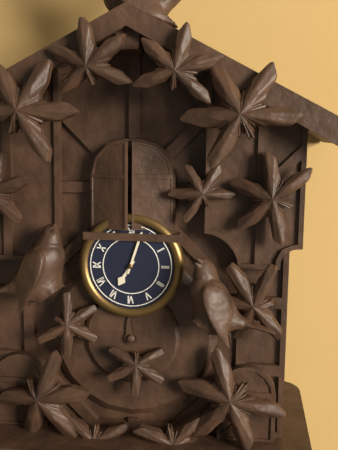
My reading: 7:03
